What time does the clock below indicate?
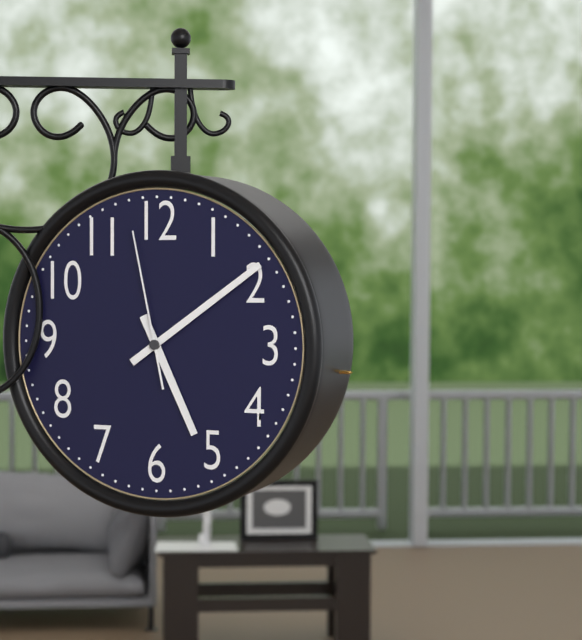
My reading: 5:09:58
